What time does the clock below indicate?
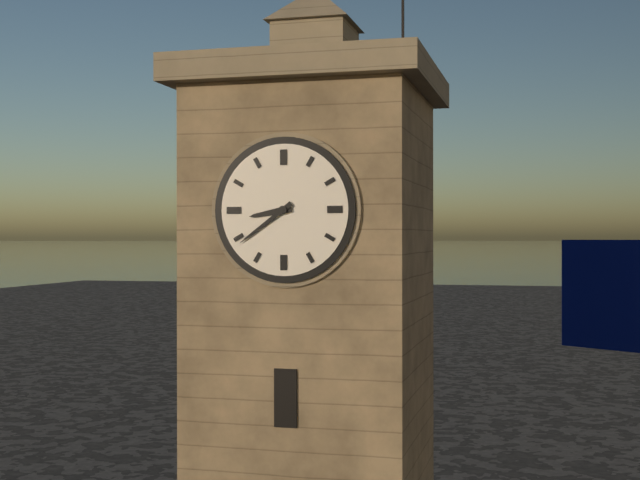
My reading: 8:39
